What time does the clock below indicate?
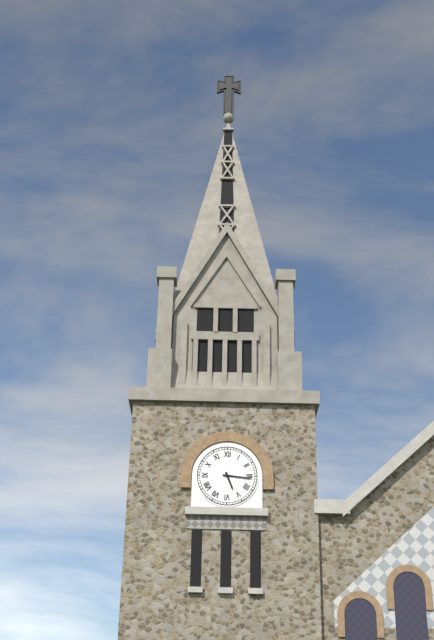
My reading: 5:16
